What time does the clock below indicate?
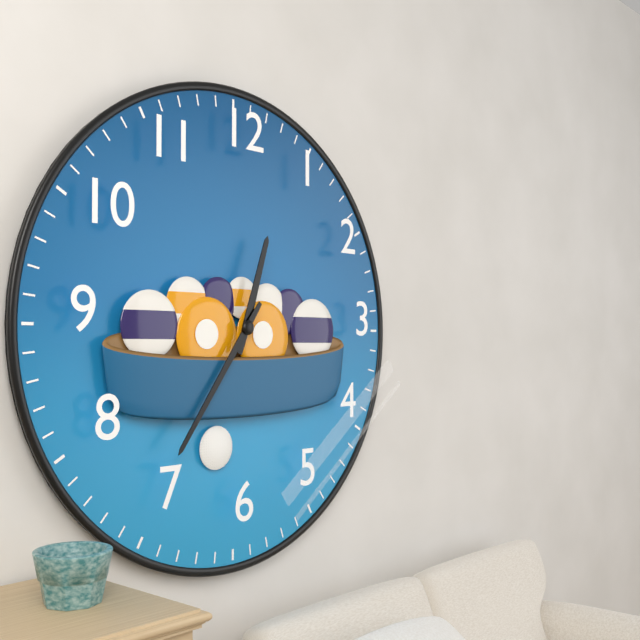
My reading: 12:36
